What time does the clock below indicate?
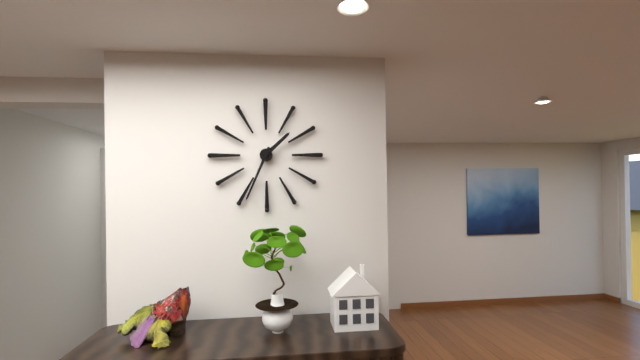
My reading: 1:34
